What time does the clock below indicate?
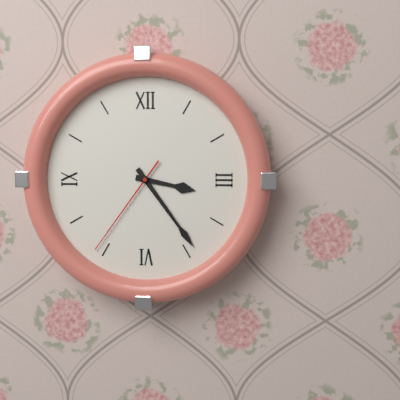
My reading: 3:24:36
